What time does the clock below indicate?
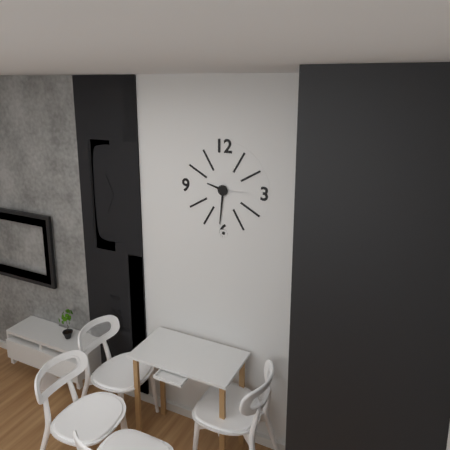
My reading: 9:31
